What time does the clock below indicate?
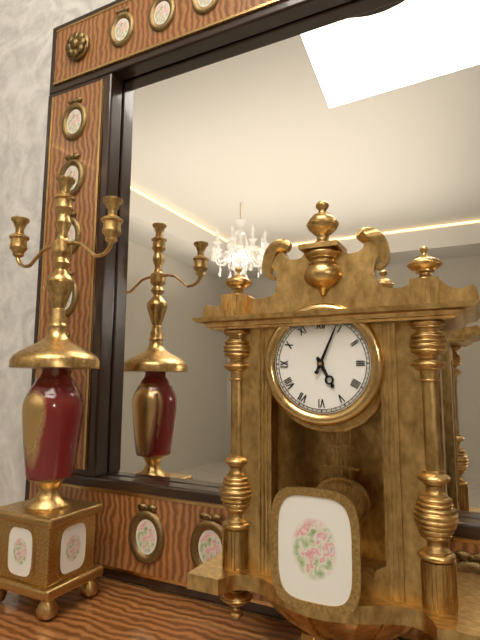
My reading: 5:04
